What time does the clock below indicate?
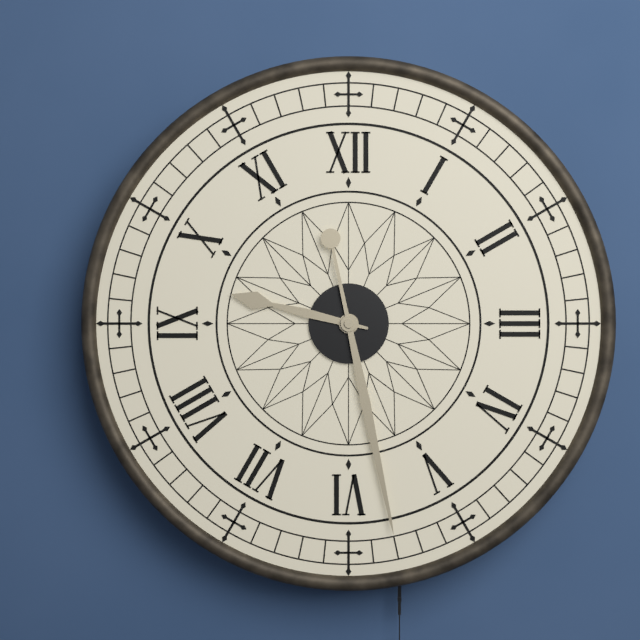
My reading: 9:28
